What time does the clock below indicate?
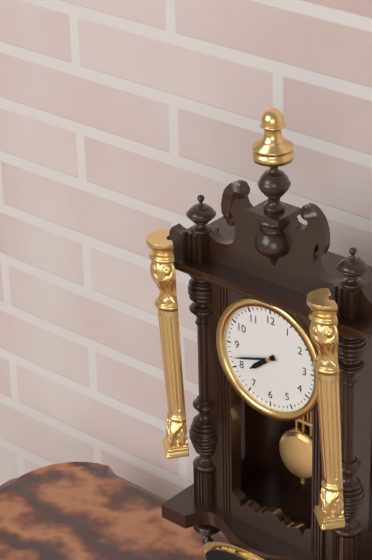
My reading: 7:42
